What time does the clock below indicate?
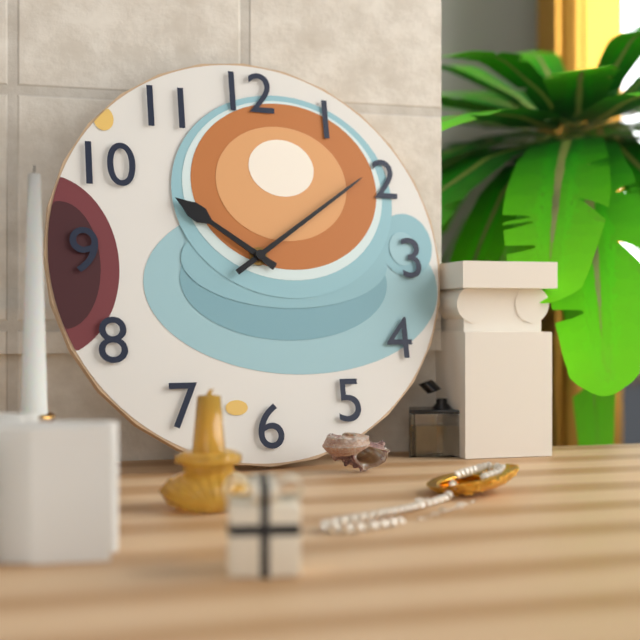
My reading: 10:09
